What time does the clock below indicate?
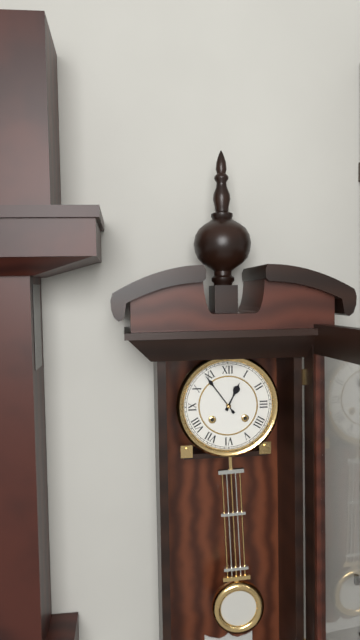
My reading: 12:54
